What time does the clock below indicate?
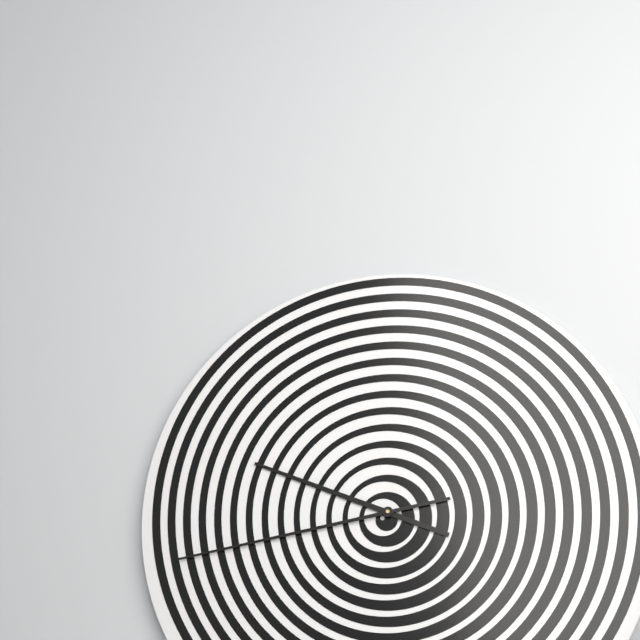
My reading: 9:43
